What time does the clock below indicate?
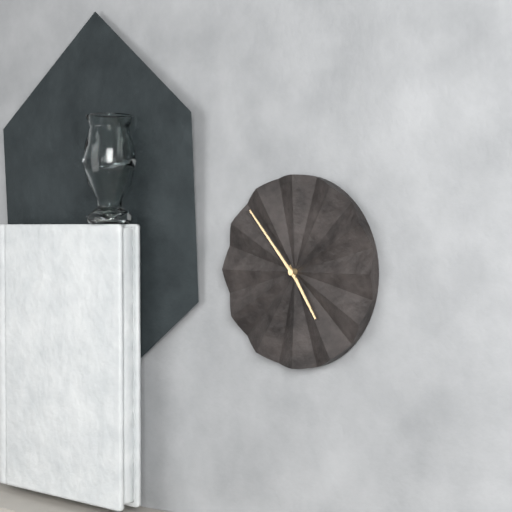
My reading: 4:53
